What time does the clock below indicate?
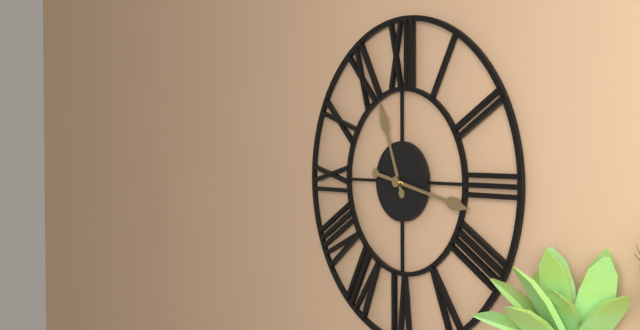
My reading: 11:17
